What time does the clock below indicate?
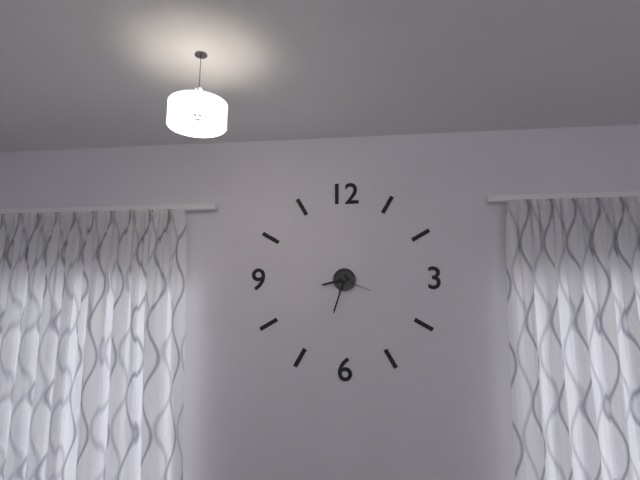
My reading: 8:33
